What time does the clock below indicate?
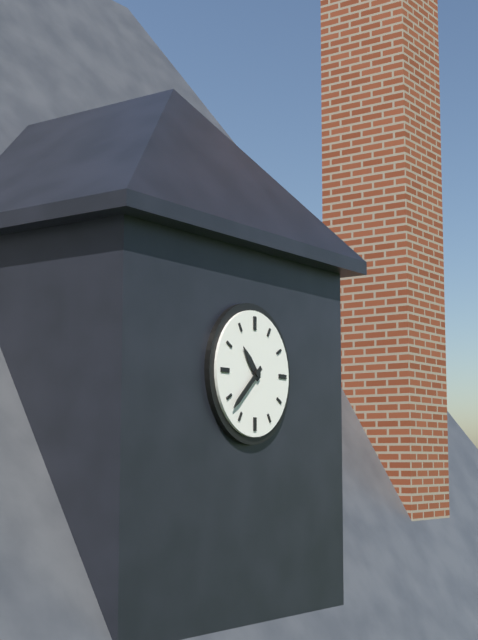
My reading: 10:38
